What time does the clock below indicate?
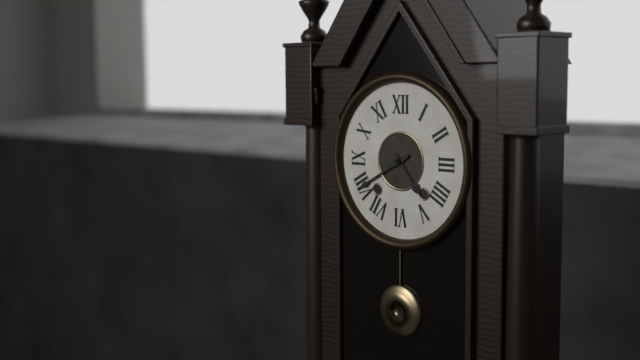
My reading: 4:40
